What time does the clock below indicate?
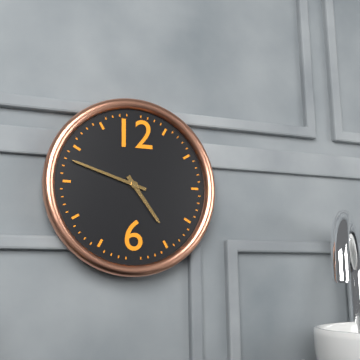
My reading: 4:48
